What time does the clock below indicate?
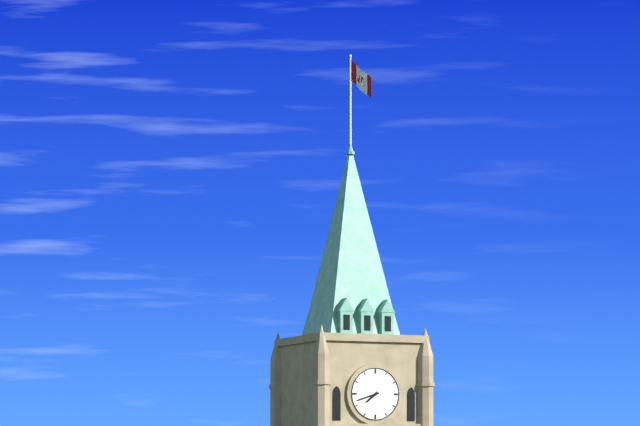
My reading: 7:42
